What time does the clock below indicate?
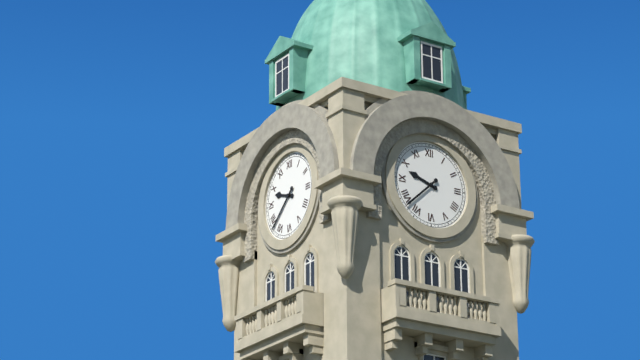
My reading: 9:38
